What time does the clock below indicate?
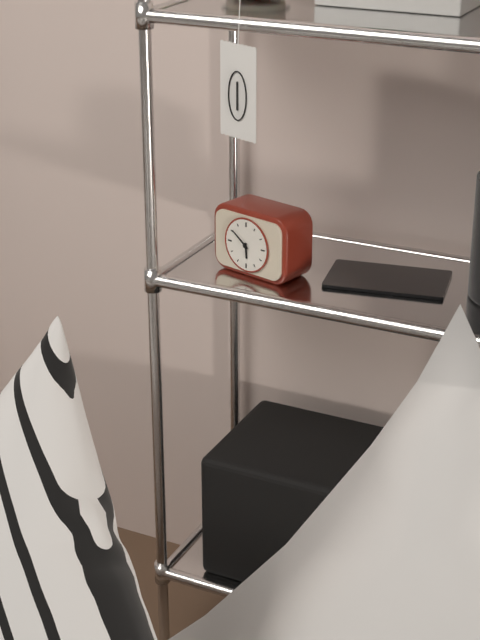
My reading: 5:51
